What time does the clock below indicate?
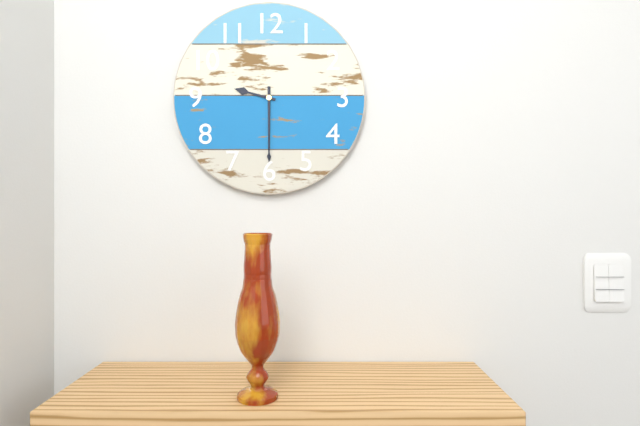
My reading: 9:30
